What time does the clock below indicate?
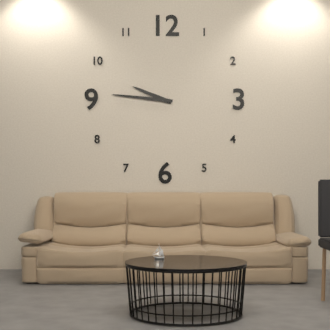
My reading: 9:46
